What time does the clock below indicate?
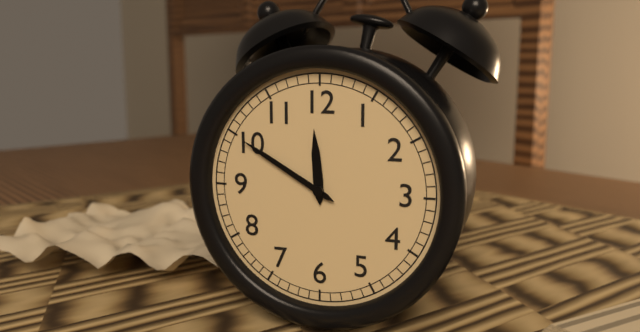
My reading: 11:50
